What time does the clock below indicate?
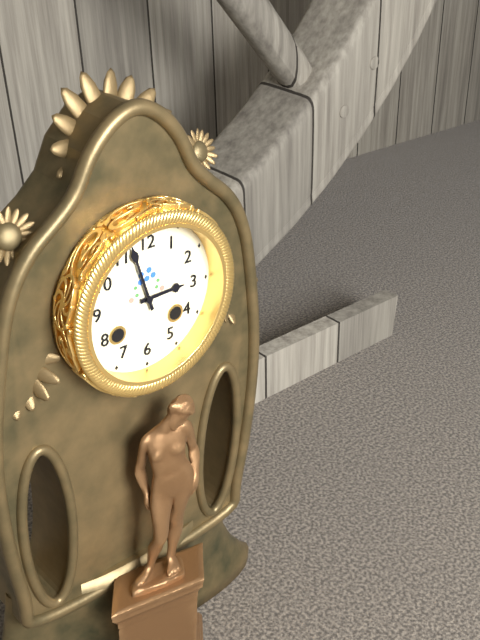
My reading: 2:57
